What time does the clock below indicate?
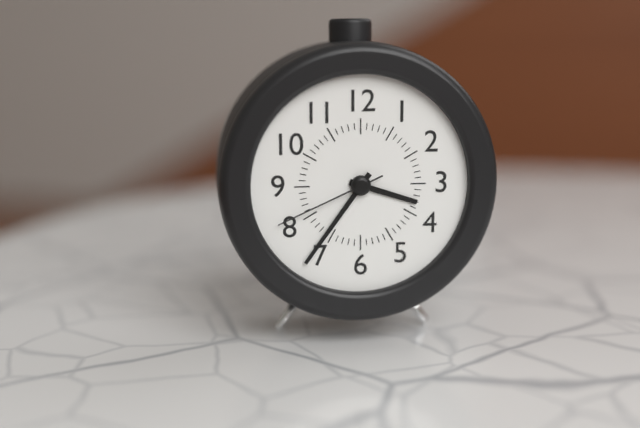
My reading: 3:36:41
